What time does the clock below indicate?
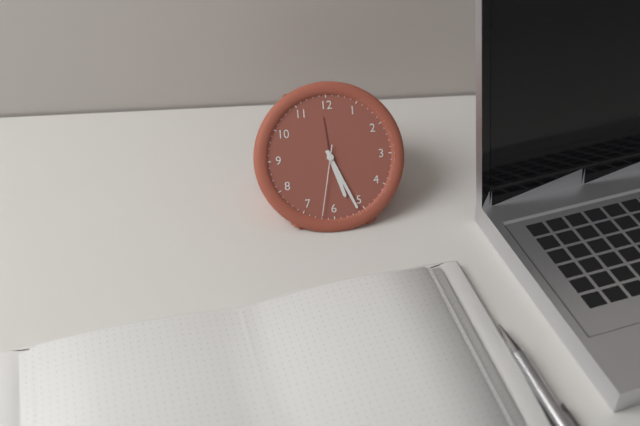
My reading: 5:26:32
